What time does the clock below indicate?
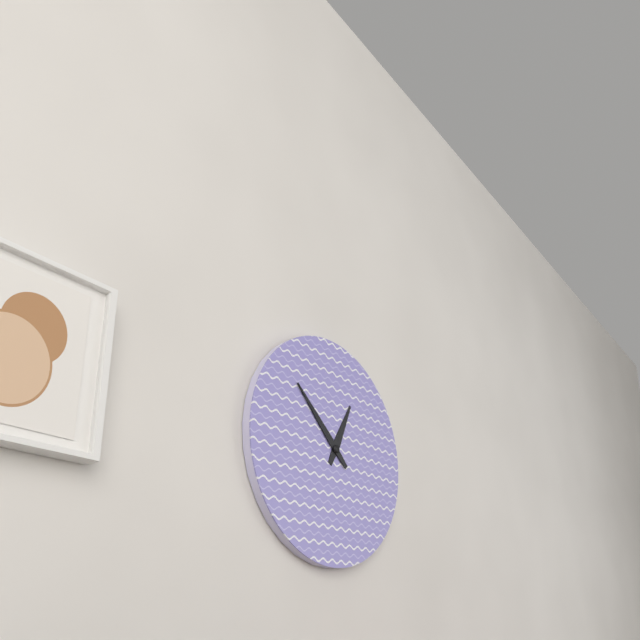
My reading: 12:52
